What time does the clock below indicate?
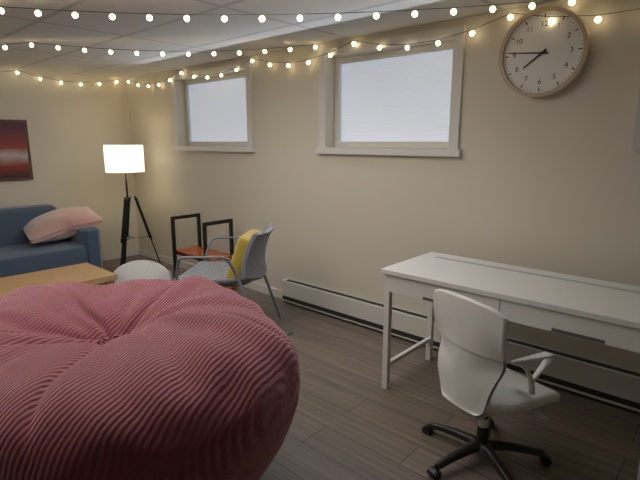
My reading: 7:46
